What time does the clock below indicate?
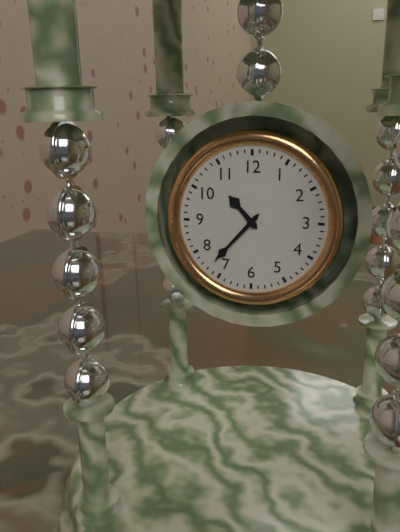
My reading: 10:37
